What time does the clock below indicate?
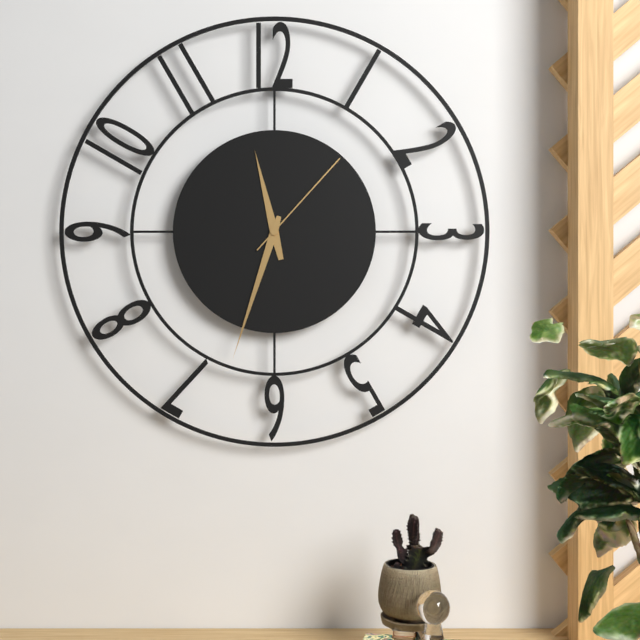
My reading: 11:33:07
